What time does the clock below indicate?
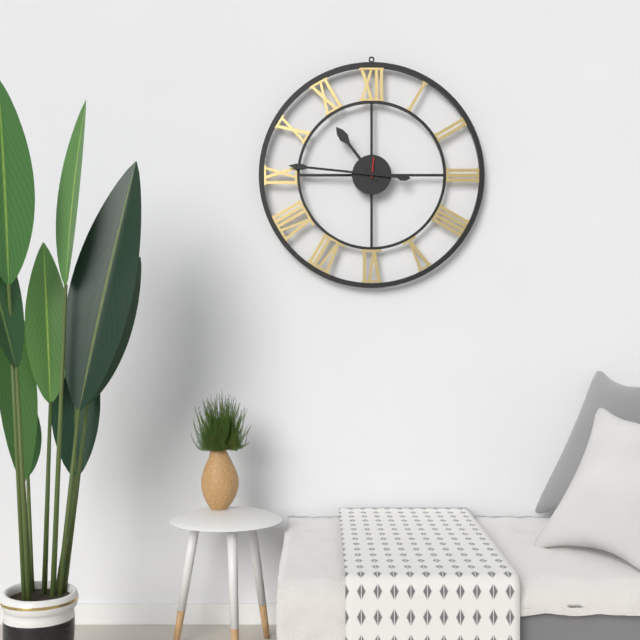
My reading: 10:46
